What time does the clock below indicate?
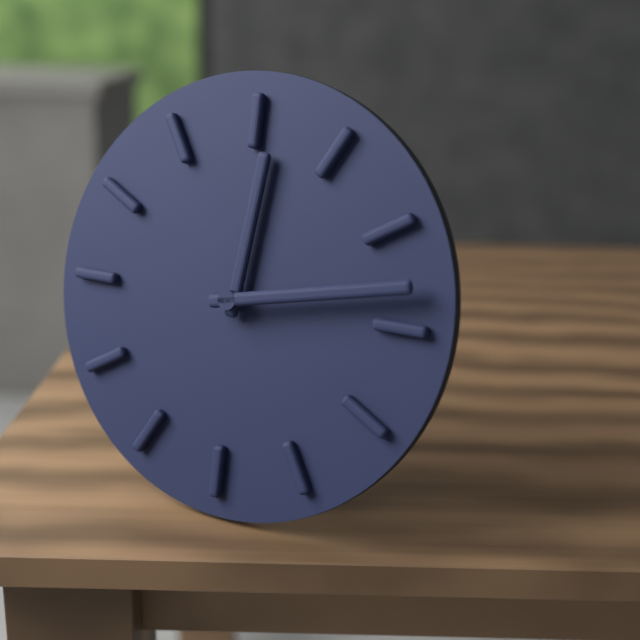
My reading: 12:13
